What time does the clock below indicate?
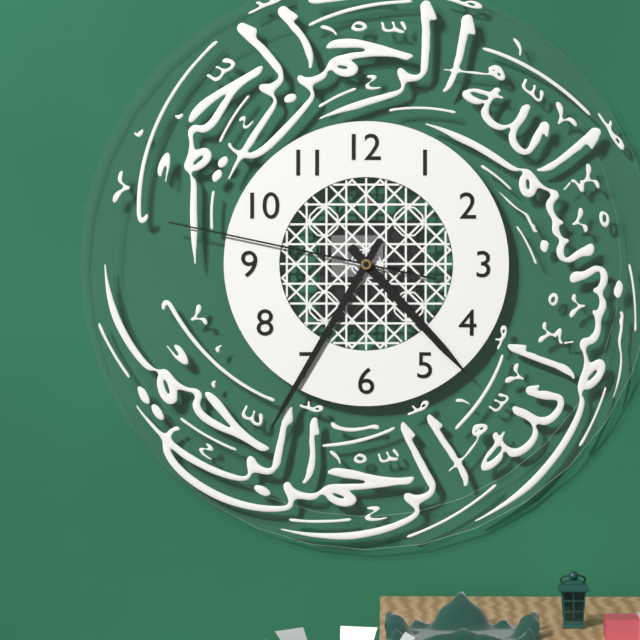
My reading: 4:35:47
